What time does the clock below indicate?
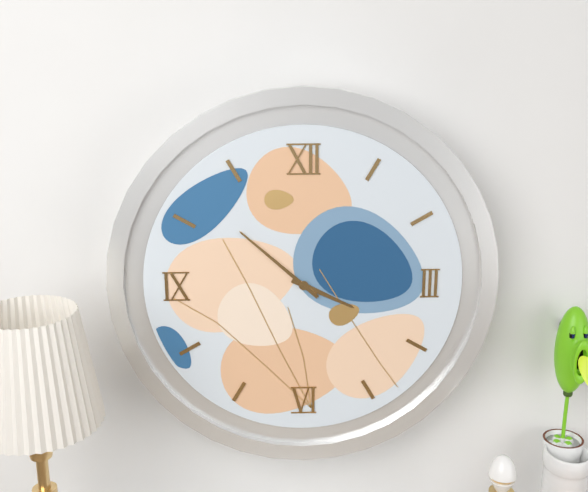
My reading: 3:52
